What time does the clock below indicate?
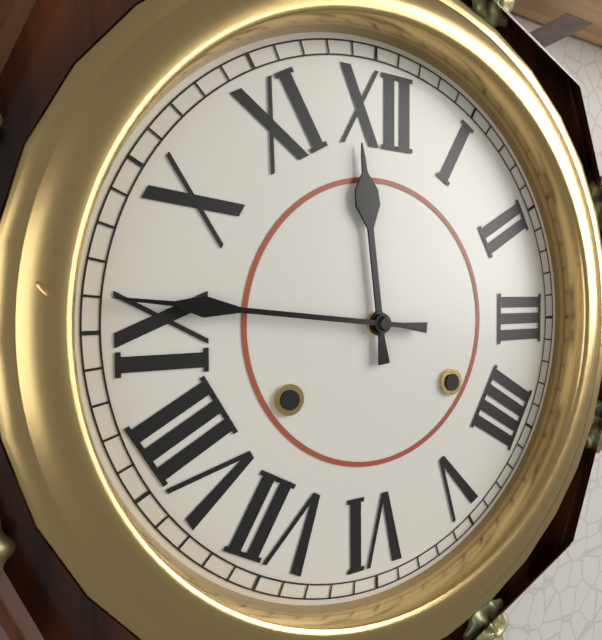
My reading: 11:46
